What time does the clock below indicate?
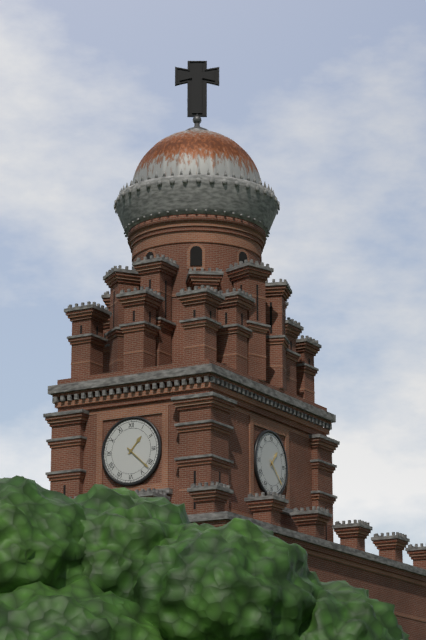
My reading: 1:22
